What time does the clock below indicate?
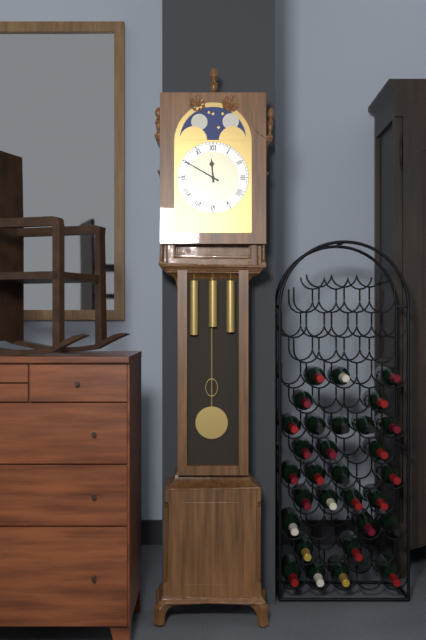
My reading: 11:50
